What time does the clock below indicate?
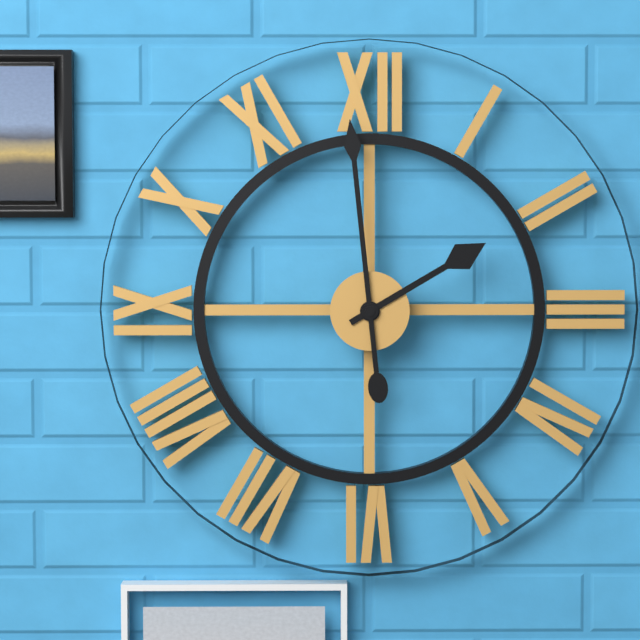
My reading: 1:59
